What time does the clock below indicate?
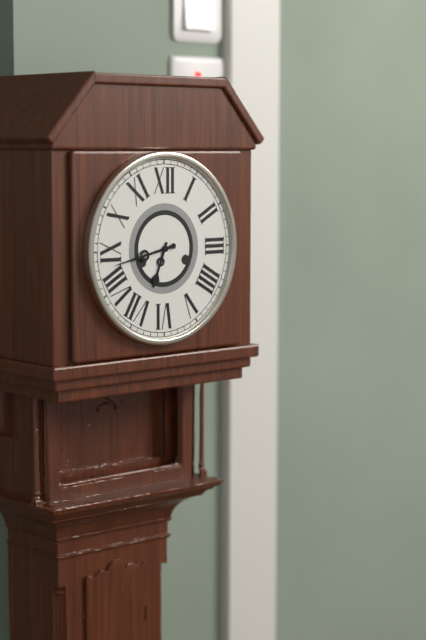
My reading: 6:43
